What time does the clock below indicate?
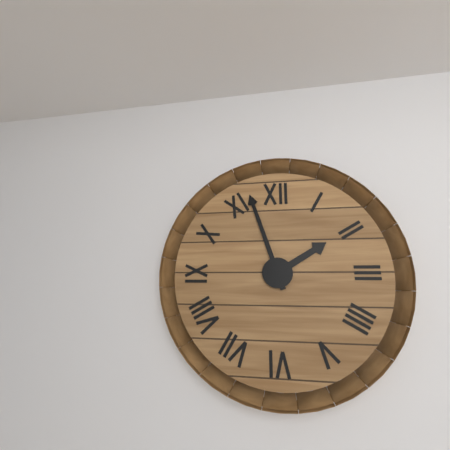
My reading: 1:57
